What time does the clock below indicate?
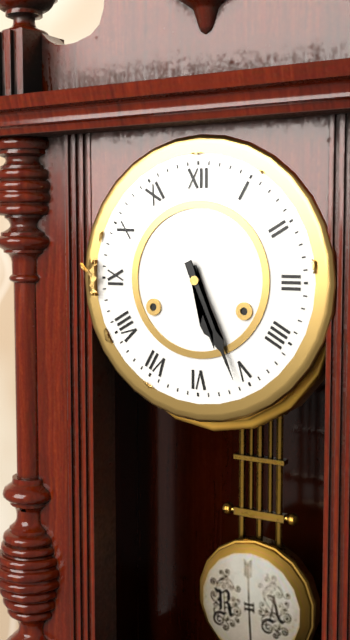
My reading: 5:26
